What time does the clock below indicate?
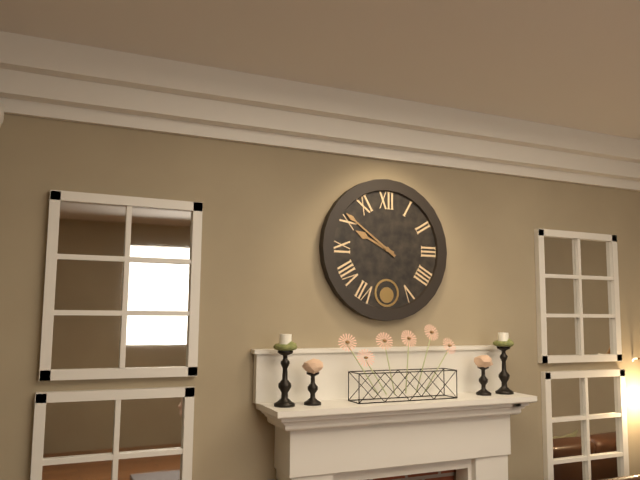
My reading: 9:51
